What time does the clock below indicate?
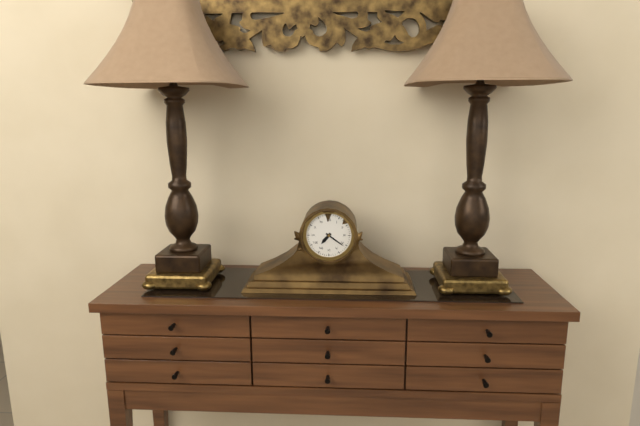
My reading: 7:21
